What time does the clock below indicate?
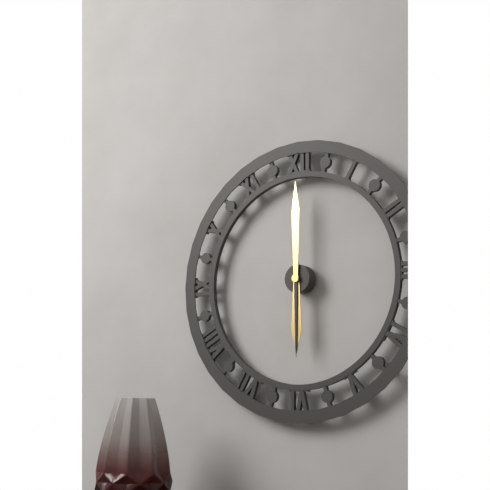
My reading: 6:00
